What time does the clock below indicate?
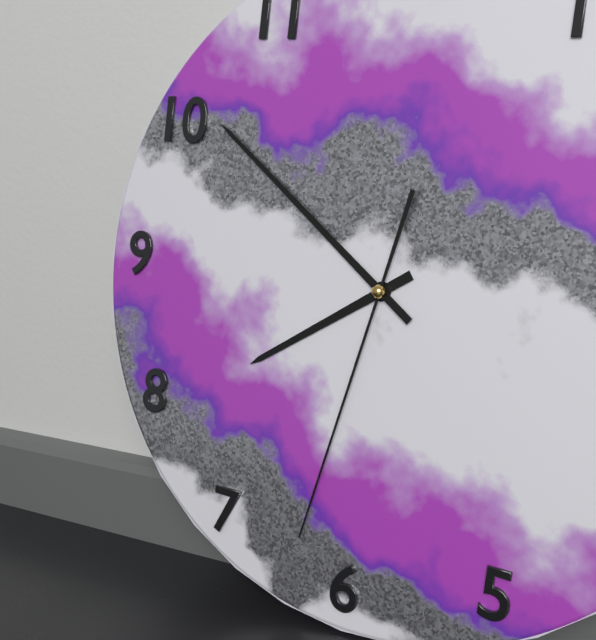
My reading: 7:51:32
